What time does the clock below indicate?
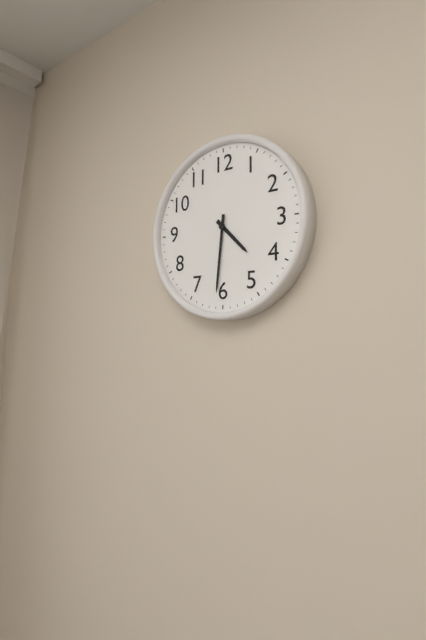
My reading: 4:31
